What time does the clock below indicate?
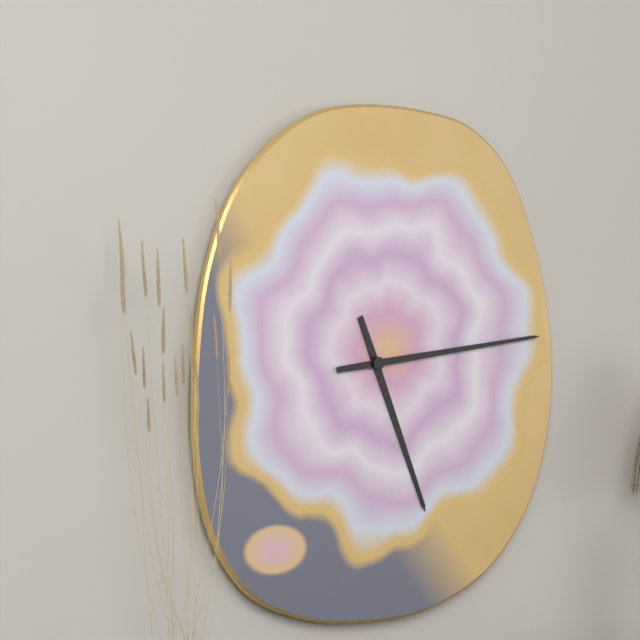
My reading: 5:14
